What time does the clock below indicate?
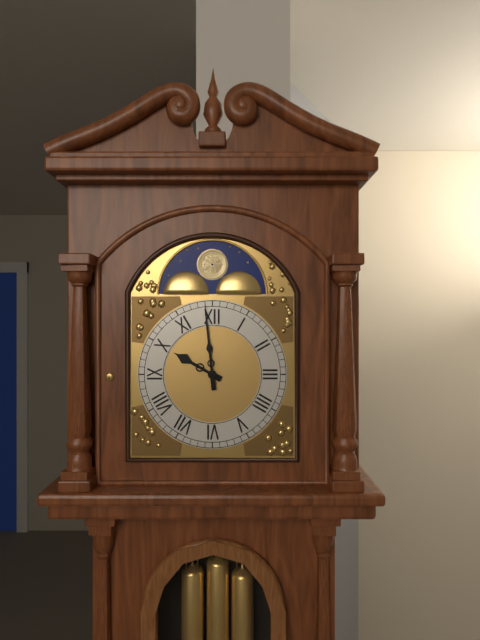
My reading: 9:59
